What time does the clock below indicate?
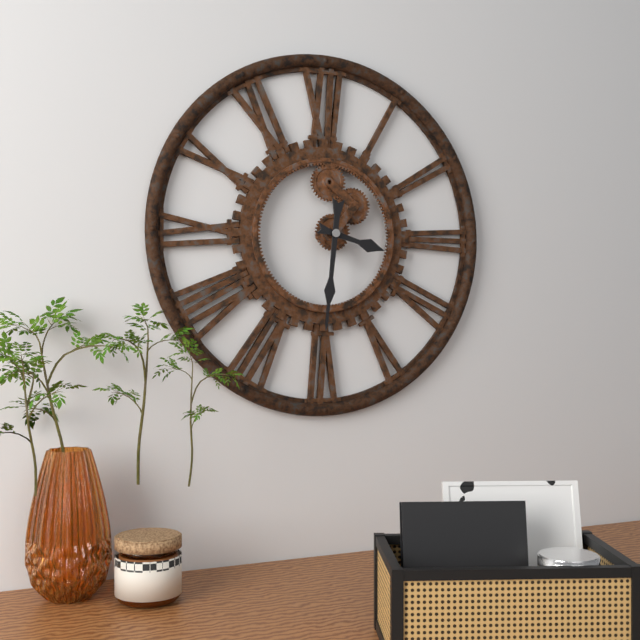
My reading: 3:31
